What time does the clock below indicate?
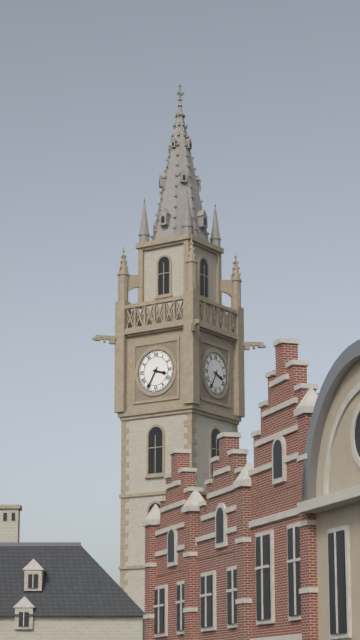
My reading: 3:35
